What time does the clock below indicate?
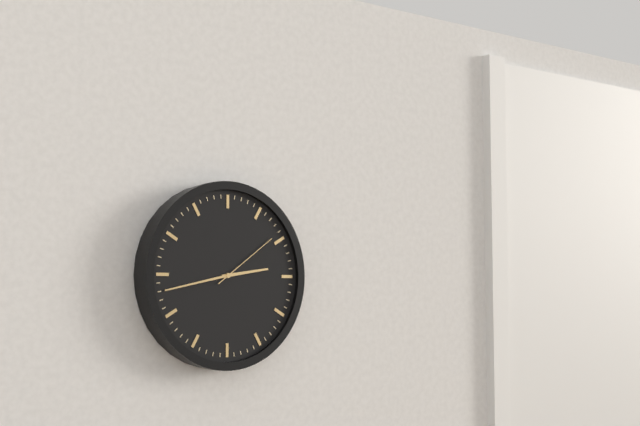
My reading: 2:43:09
